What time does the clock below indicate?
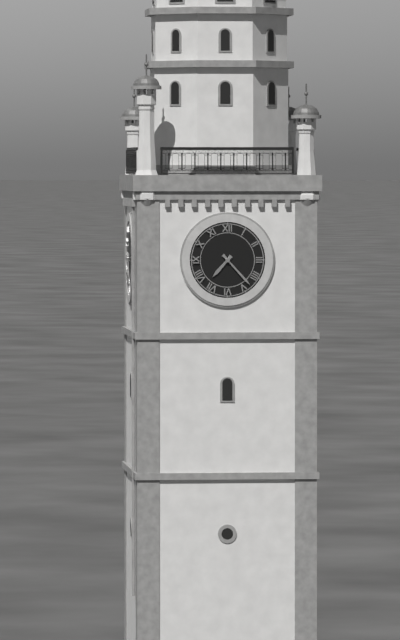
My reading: 7:23
